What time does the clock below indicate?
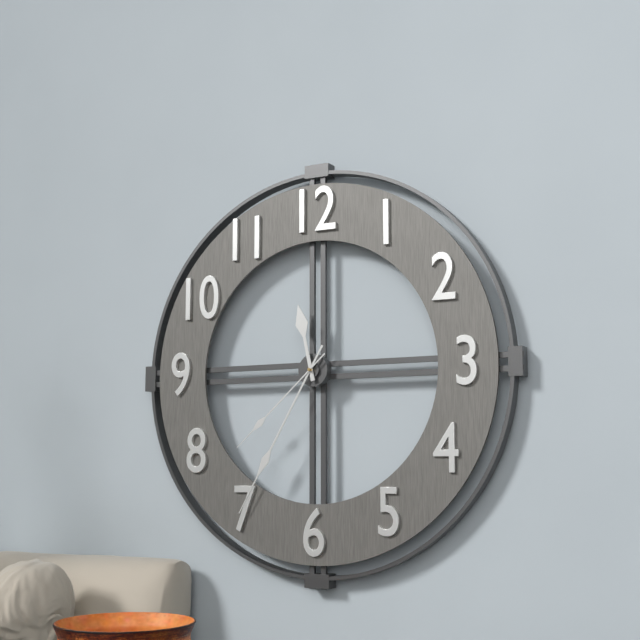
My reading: 11:35:38
